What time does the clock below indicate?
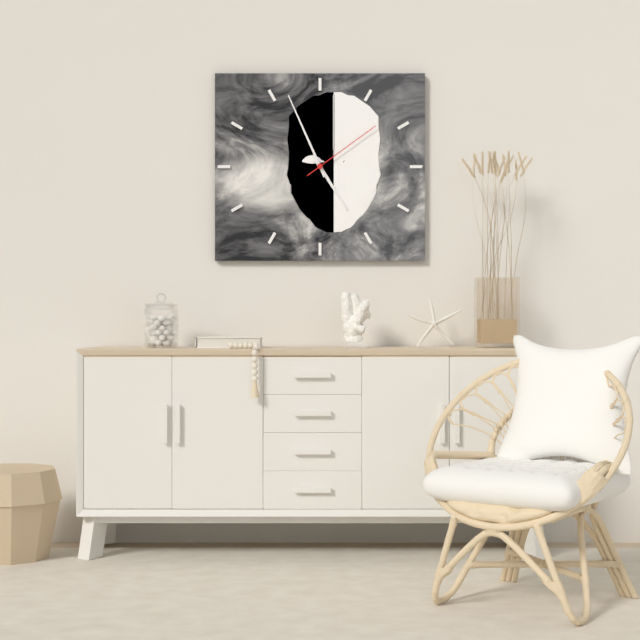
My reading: 4:56:09
